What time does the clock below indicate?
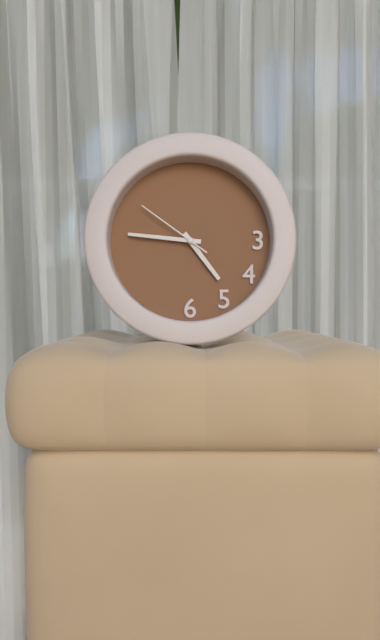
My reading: 4:46:51
